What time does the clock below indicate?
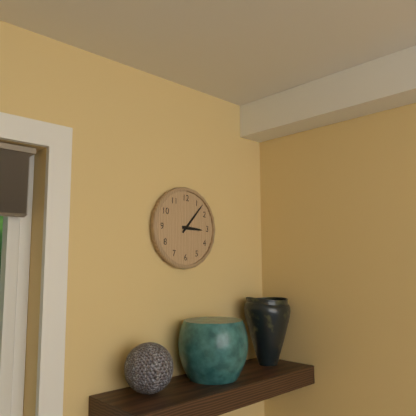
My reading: 3:07
